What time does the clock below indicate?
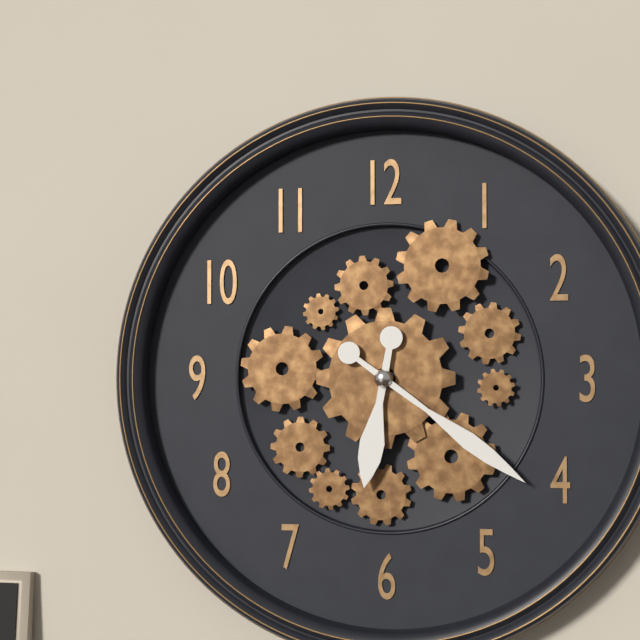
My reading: 6:21
